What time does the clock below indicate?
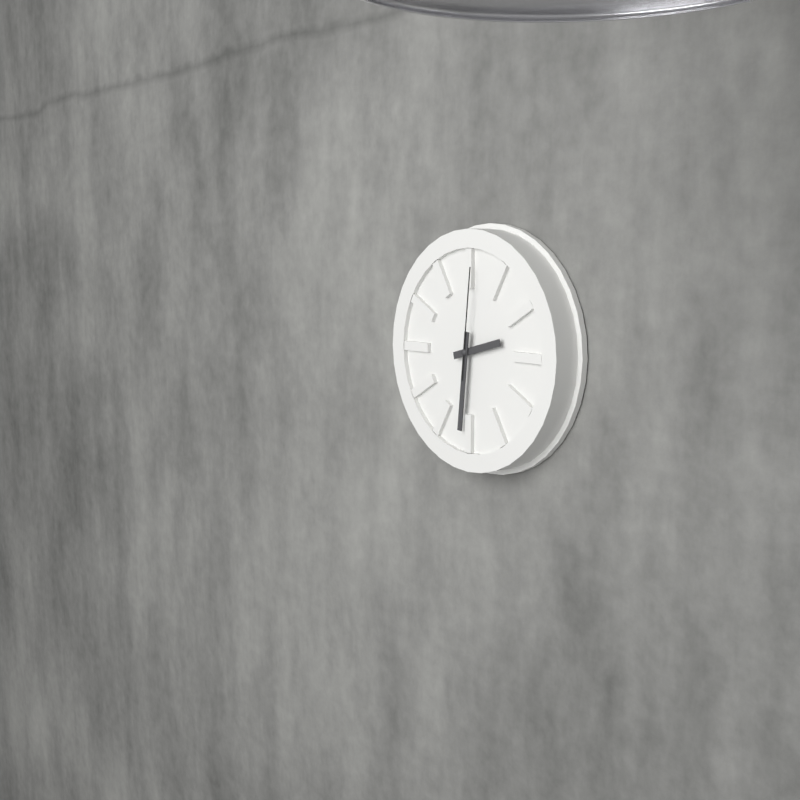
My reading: 2:31:01
